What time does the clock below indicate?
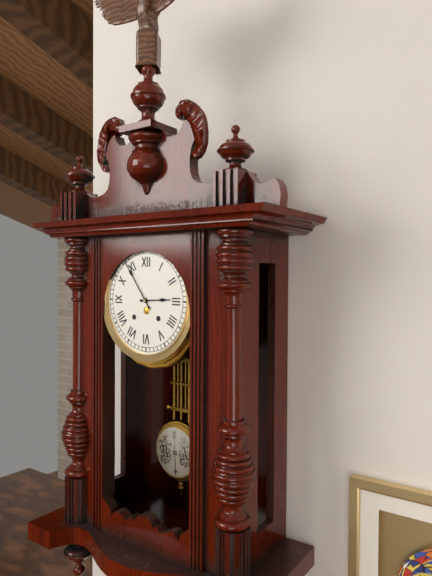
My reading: 2:54
